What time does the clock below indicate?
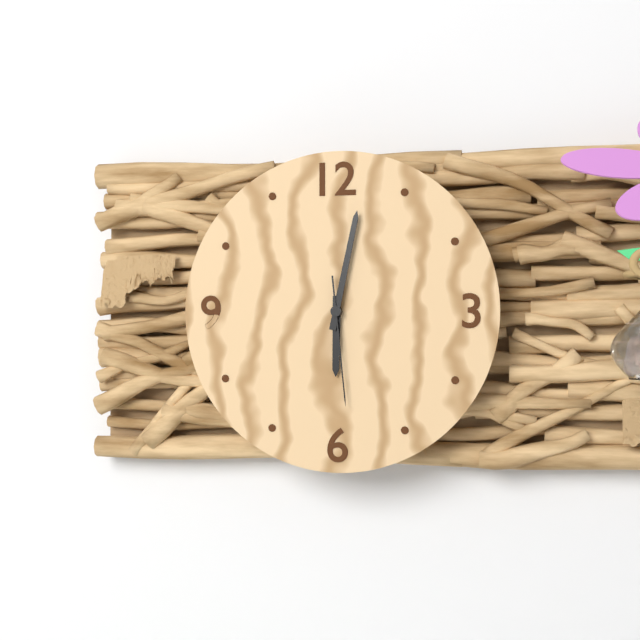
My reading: 6:02:29
